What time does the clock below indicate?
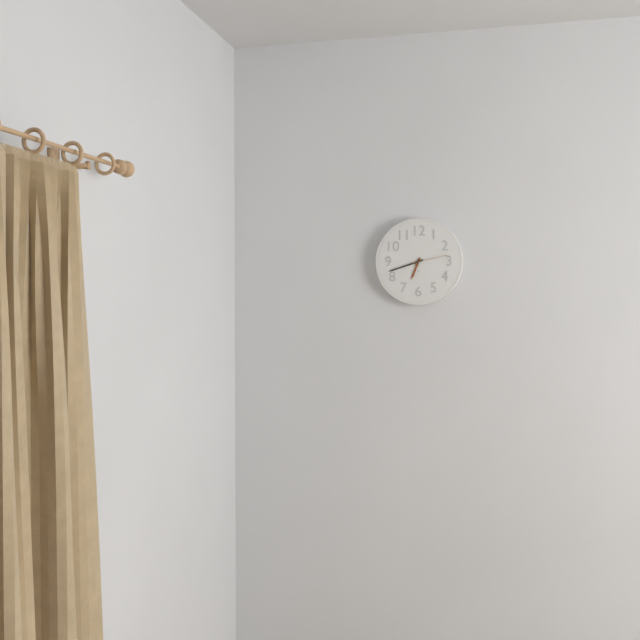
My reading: 6:42
